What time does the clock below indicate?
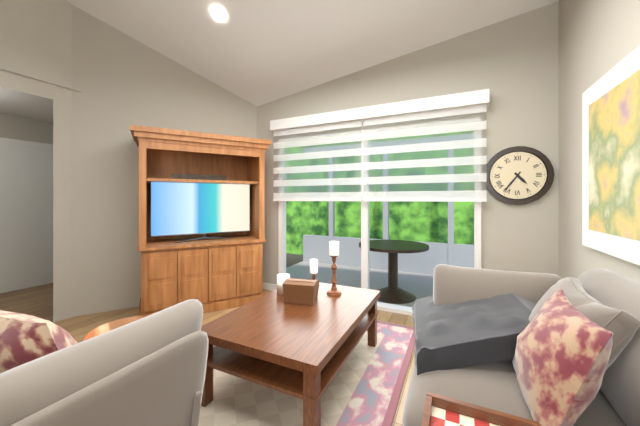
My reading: 4:36
